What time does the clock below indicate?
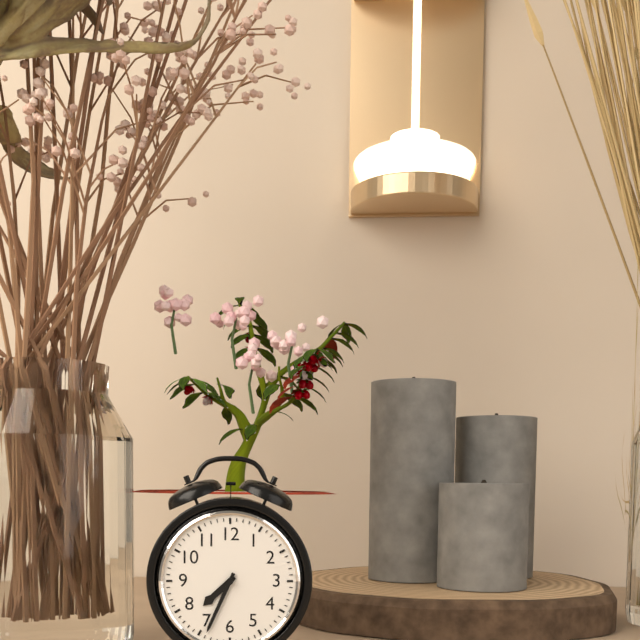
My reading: 7:34
